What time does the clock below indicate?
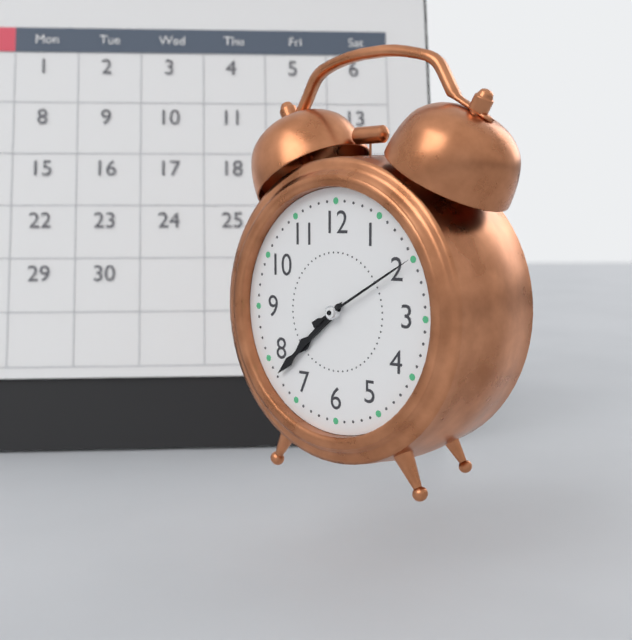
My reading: 7:38:10
